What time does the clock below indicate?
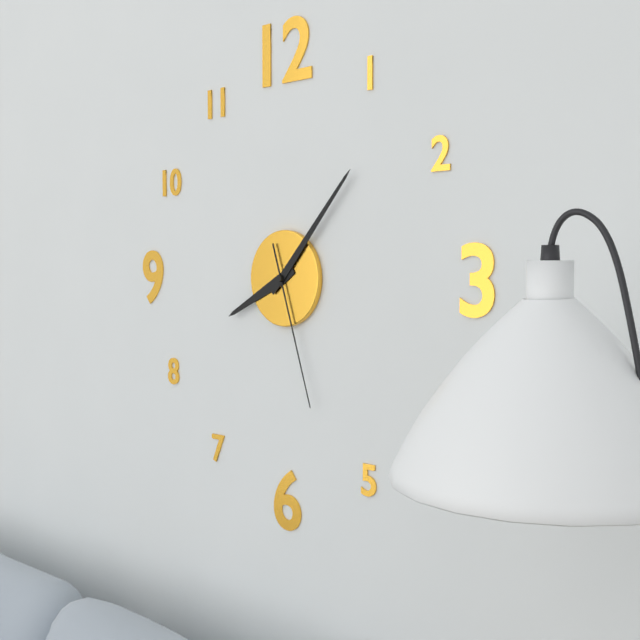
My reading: 8:07:27
